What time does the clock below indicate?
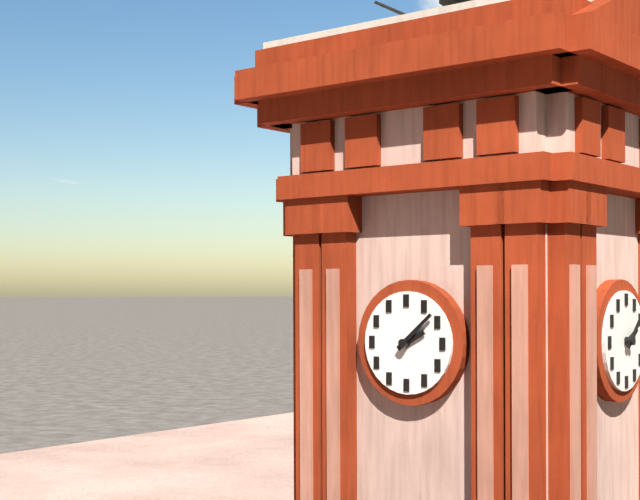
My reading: 2:08
